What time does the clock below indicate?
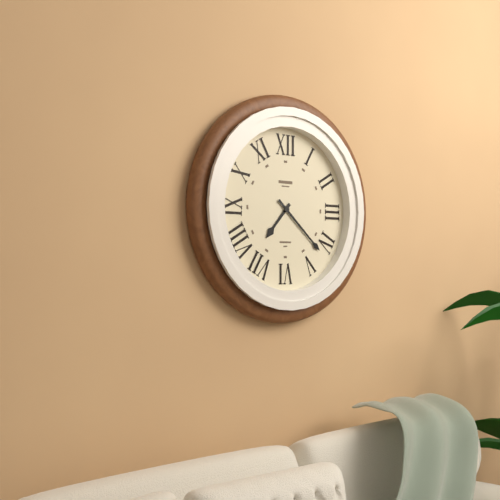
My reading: 7:22
